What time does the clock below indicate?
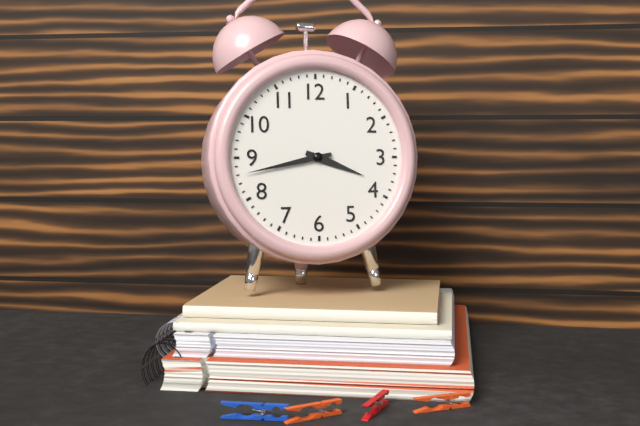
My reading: 3:43
